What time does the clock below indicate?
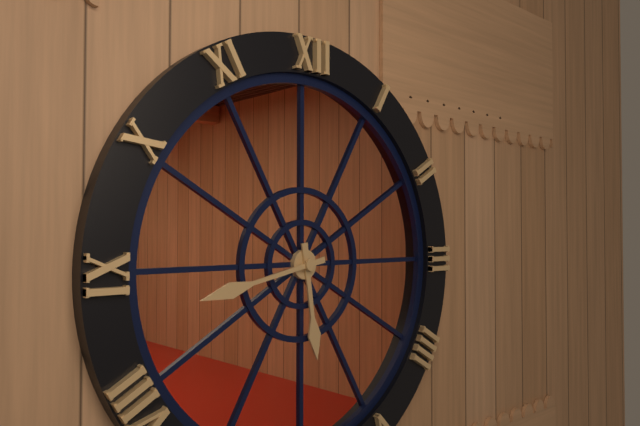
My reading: 5:43
